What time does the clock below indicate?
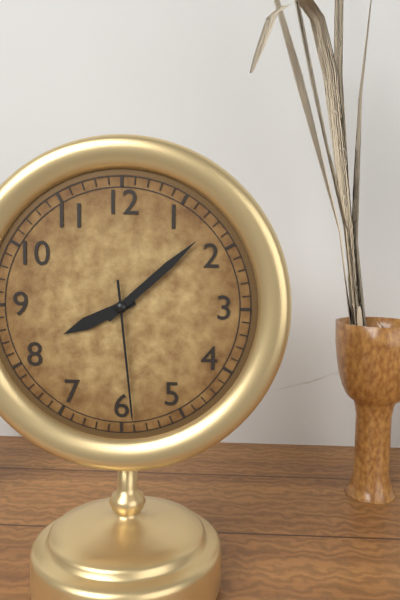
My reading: 8:08:29
